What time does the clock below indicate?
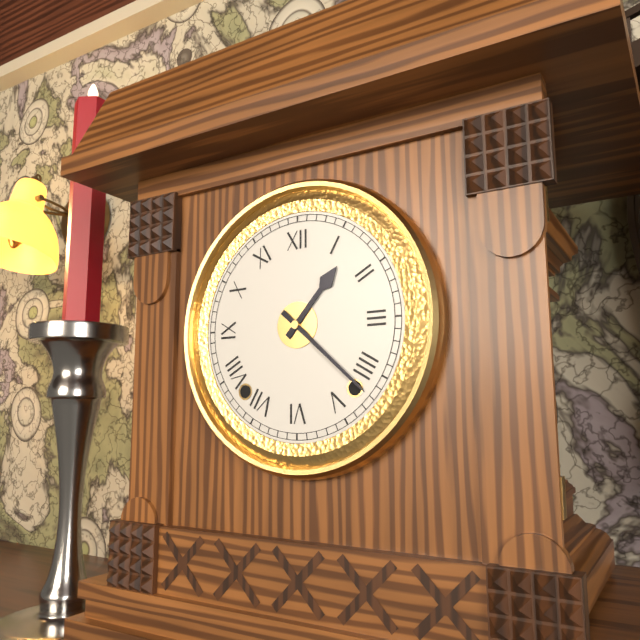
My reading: 1:22
